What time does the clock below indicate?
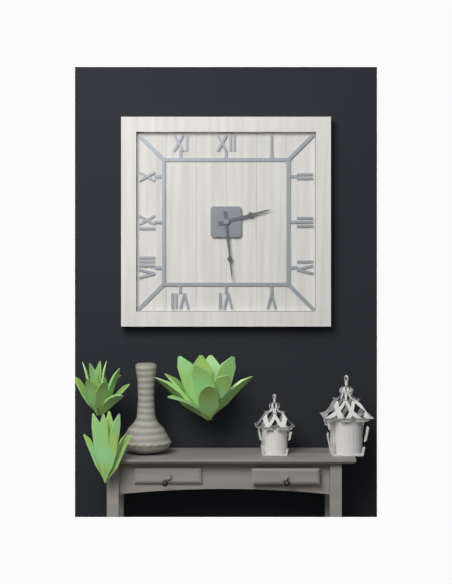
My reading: 2:29
